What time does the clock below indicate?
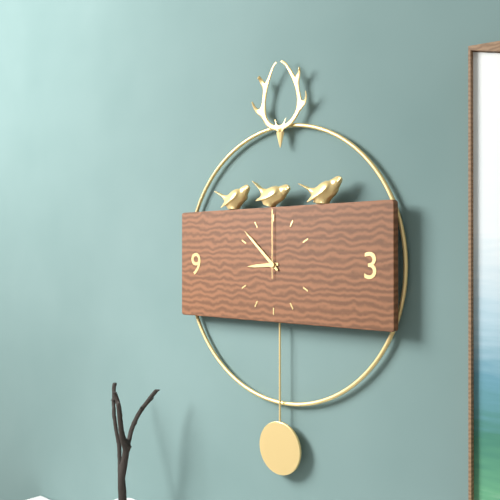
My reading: 8:52:00
